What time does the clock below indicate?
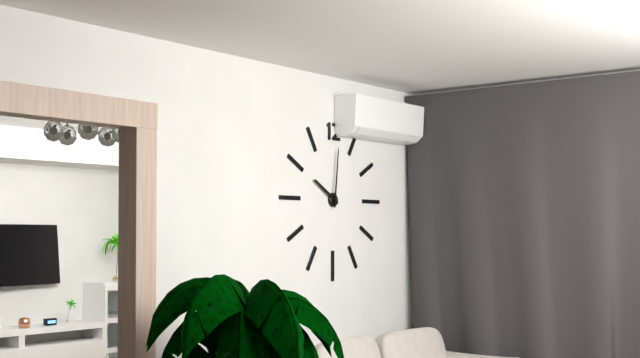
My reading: 10:01
